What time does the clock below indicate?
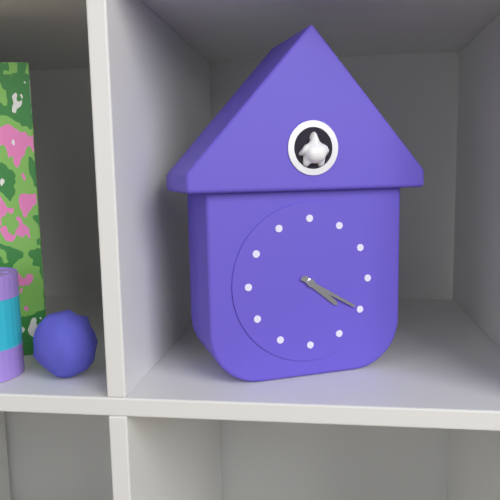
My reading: 4:20
